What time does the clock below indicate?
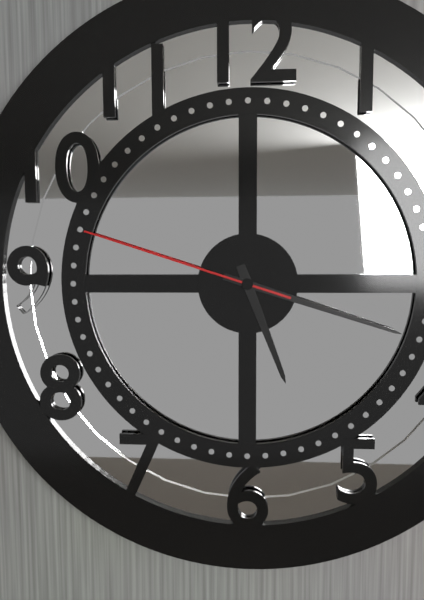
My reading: 5:18:48
